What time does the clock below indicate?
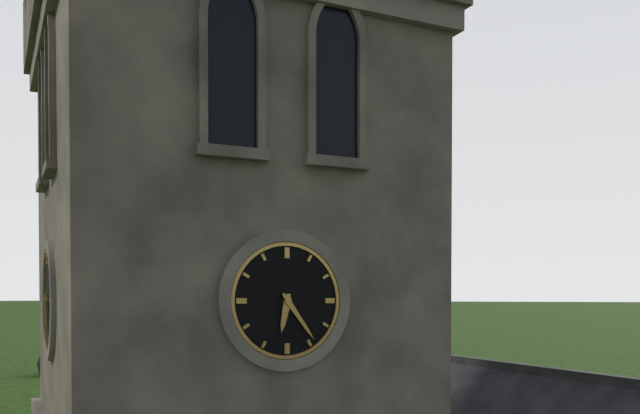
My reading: 6:24
